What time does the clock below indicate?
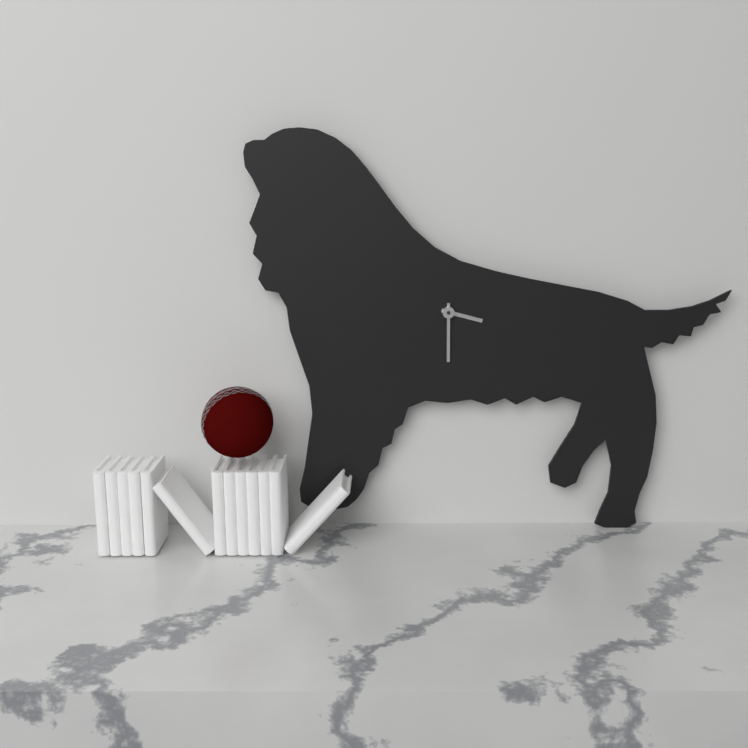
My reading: 3:30
